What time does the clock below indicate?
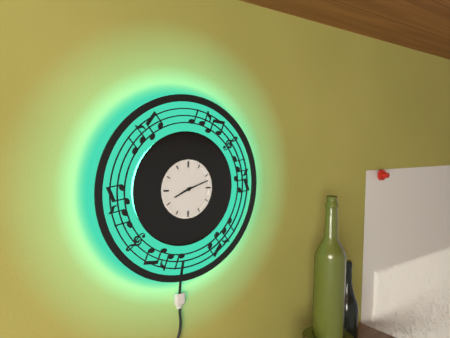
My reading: 8:12
